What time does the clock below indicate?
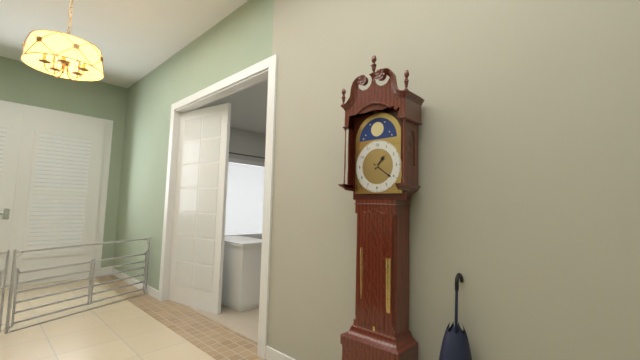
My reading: 1:21
